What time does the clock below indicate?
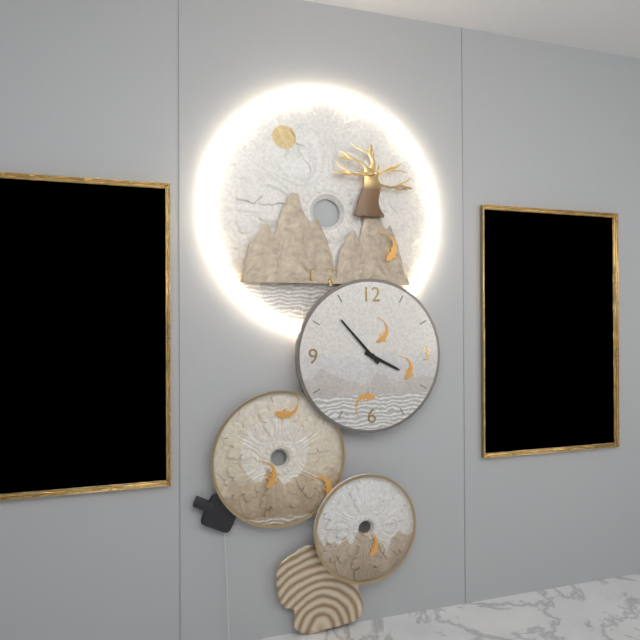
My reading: 3:53
